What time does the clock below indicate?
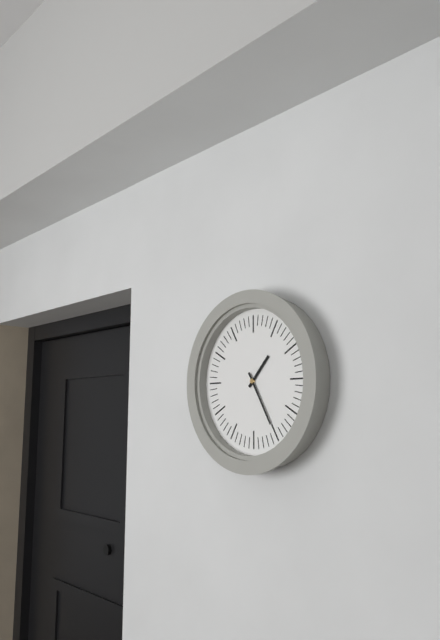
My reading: 1:25
